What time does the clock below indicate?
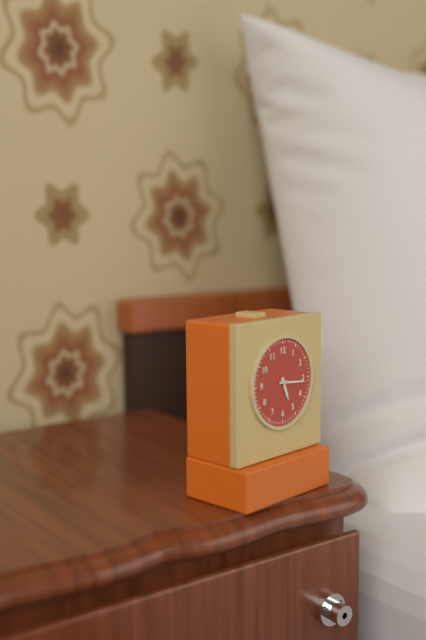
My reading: 5:16
